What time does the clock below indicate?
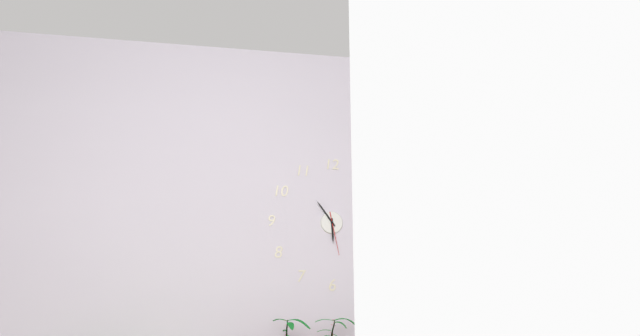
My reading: 5:54
